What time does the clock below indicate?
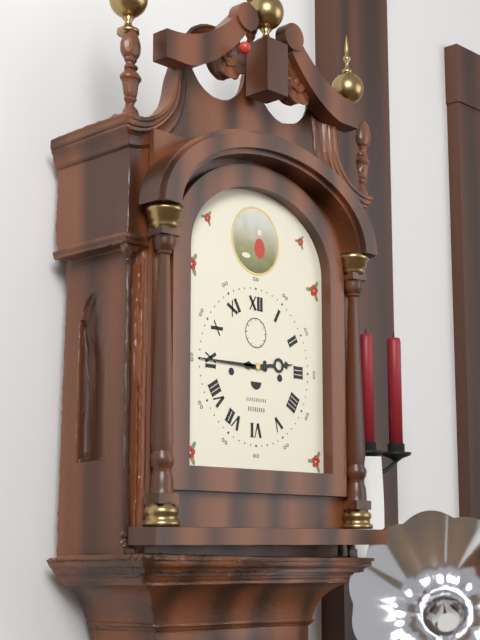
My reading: 2:45
